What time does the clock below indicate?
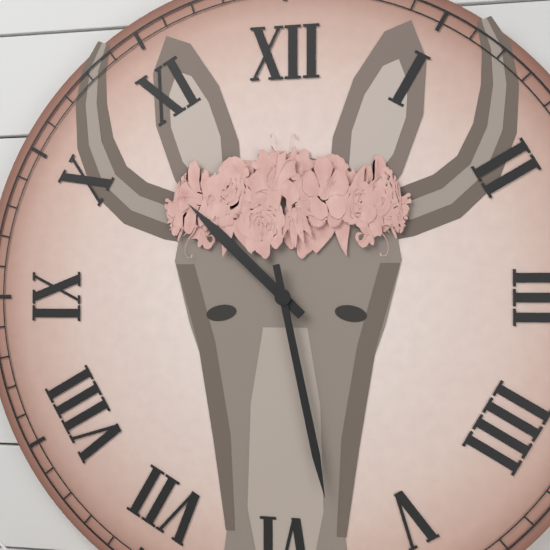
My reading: 10:28
